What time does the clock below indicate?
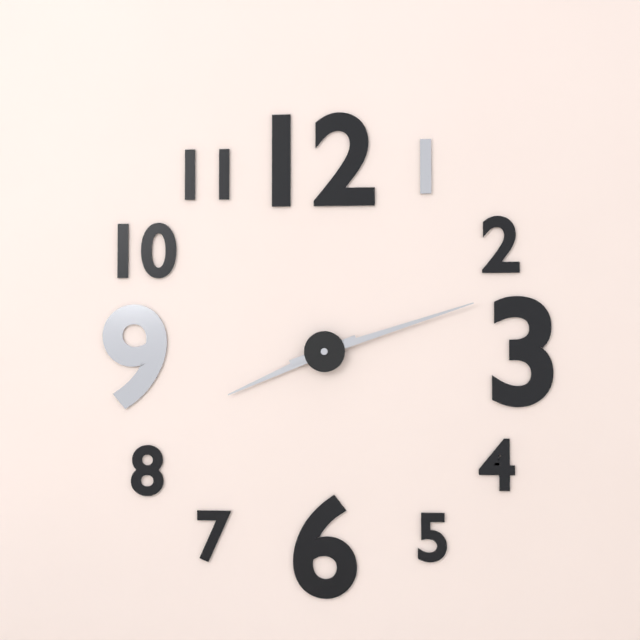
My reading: 8:12
